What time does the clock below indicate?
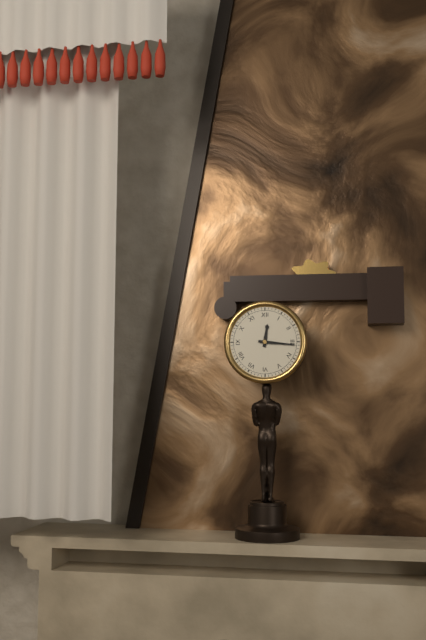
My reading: 12:16
